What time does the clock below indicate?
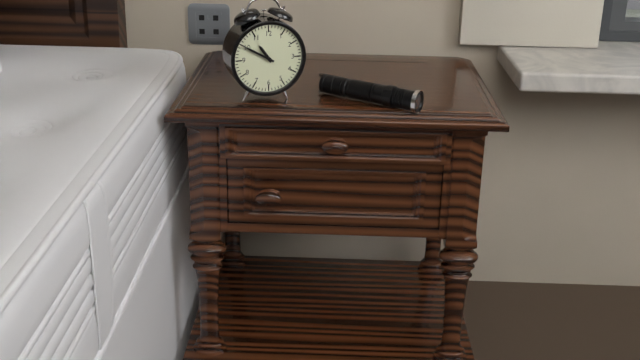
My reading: 10:50
